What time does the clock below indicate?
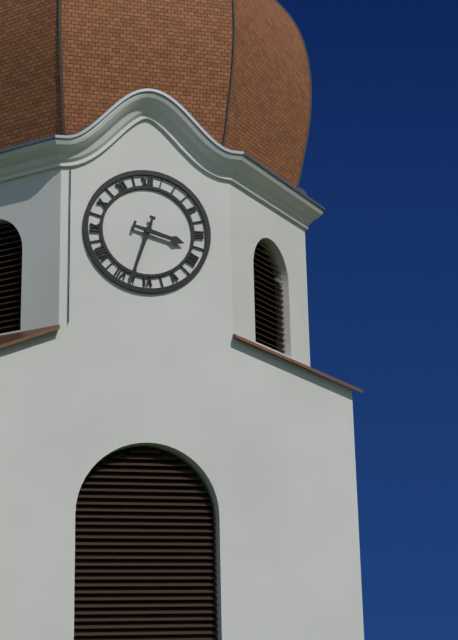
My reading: 3:33
